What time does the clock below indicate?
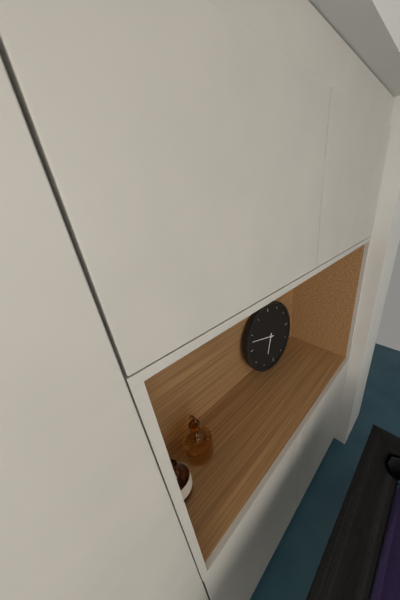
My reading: 6:48
